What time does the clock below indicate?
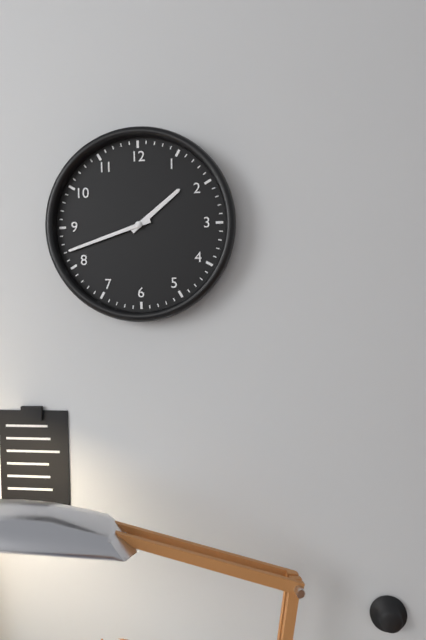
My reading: 1:42
